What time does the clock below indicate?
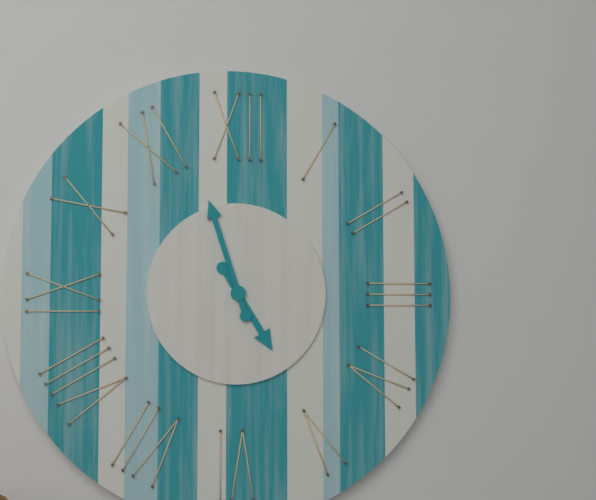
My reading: 4:57
